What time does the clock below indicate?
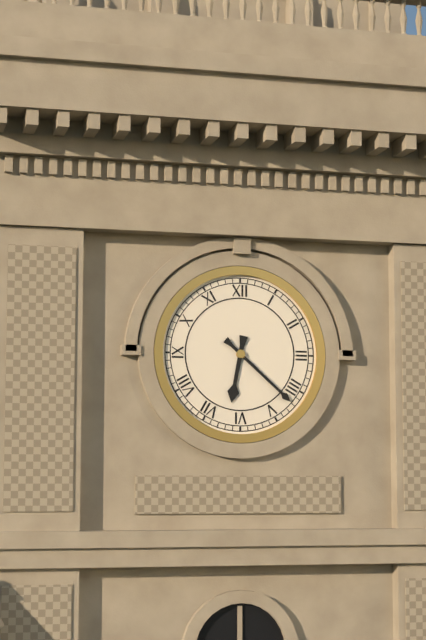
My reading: 6:22
